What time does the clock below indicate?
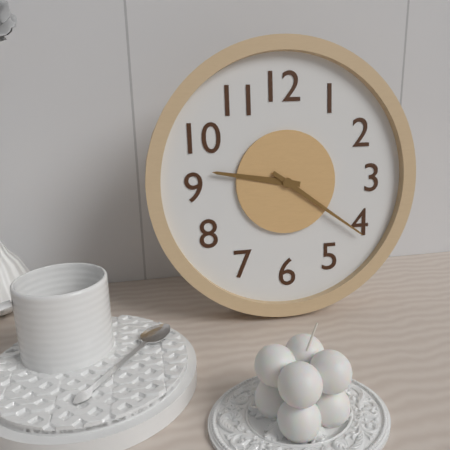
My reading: 9:21
